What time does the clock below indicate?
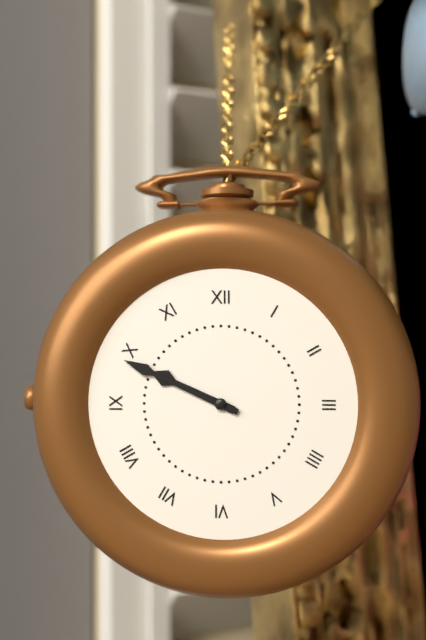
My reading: 9:49
